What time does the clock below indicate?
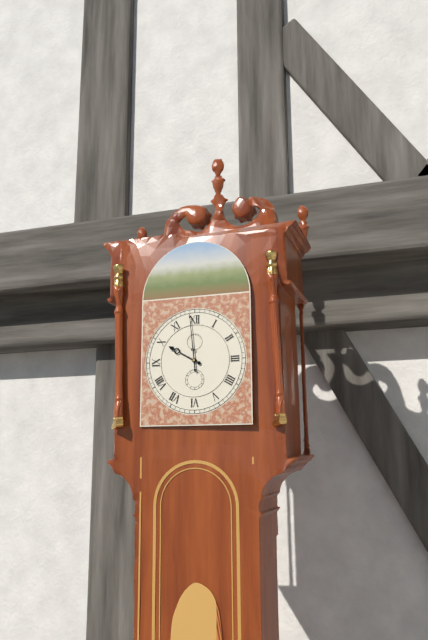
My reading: 9:59
